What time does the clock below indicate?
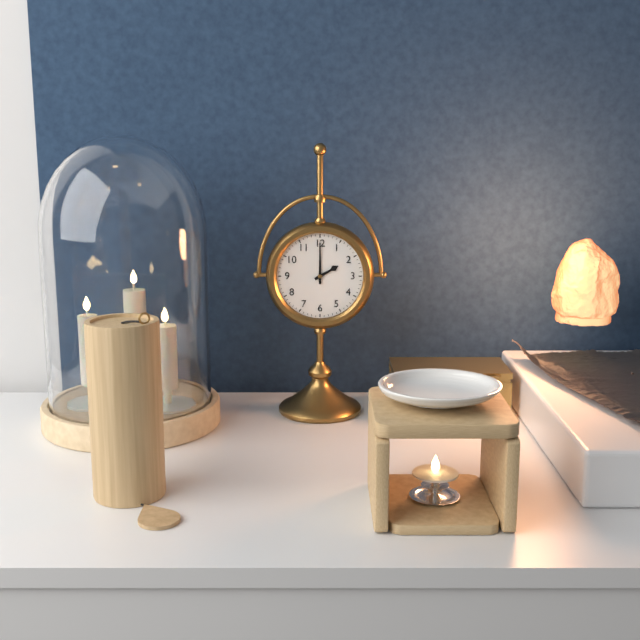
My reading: 2:00
